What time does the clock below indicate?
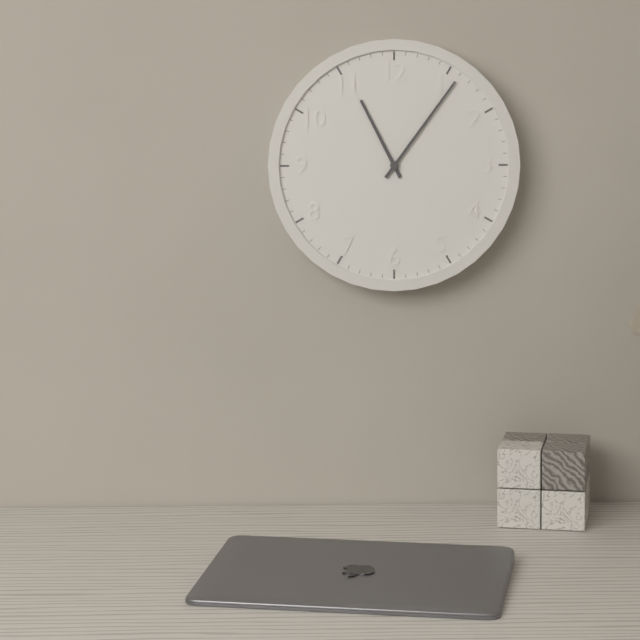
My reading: 11:06
